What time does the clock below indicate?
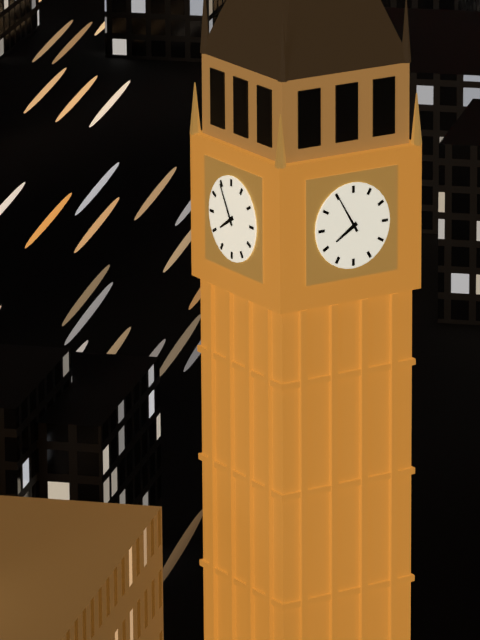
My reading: 7:55
